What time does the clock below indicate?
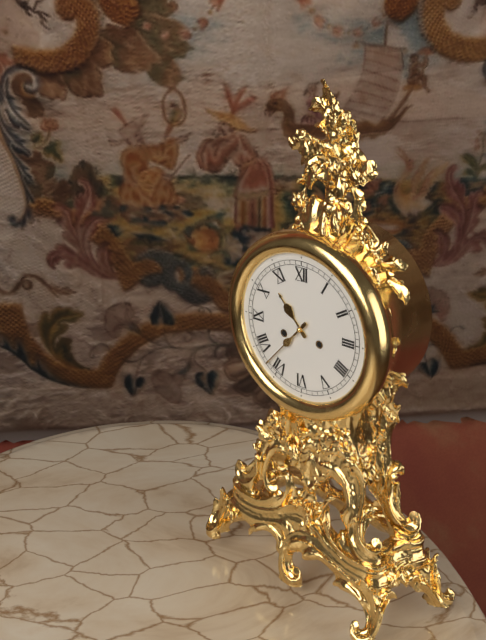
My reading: 10:37
